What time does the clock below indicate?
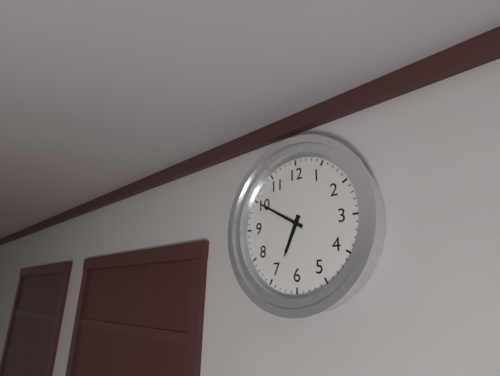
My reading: 6:50
